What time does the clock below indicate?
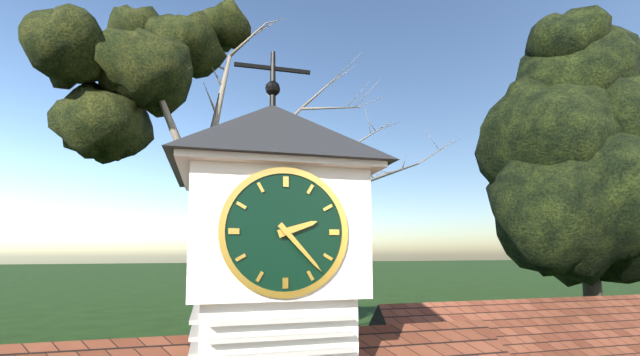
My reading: 2:23
